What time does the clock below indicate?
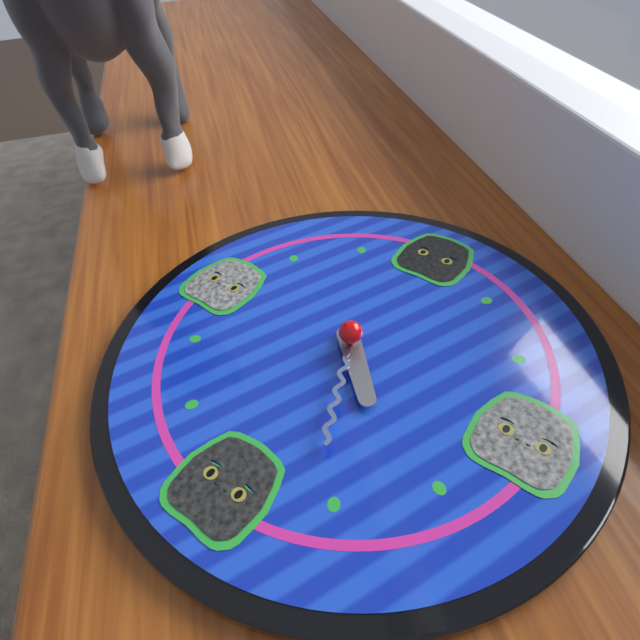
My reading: 4:26
